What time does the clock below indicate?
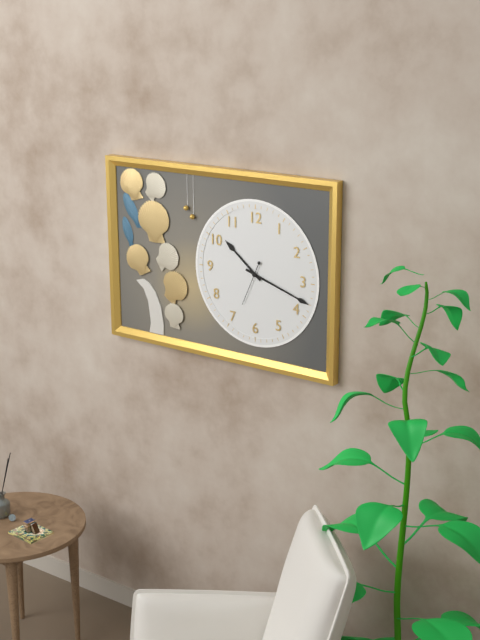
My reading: 10:18
